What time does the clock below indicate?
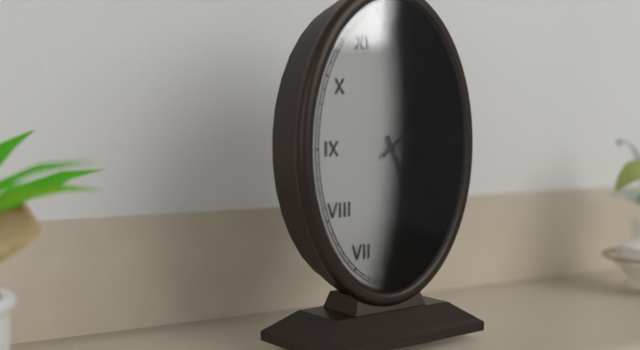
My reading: 5:09
